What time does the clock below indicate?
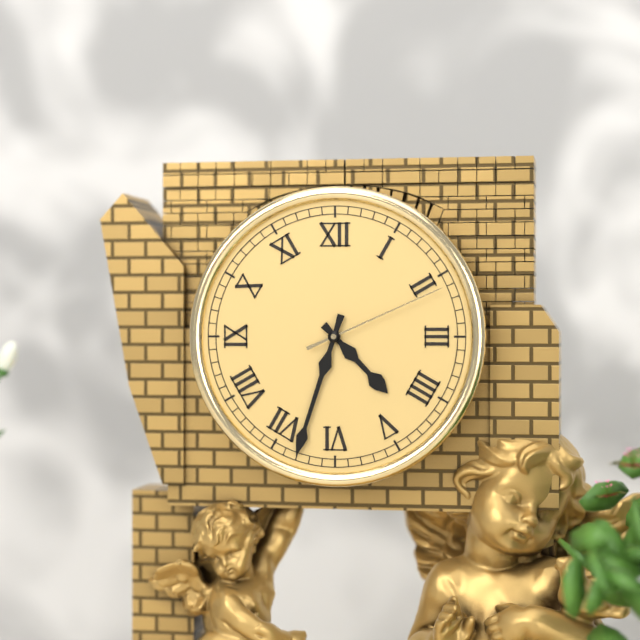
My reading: 4:33:11
